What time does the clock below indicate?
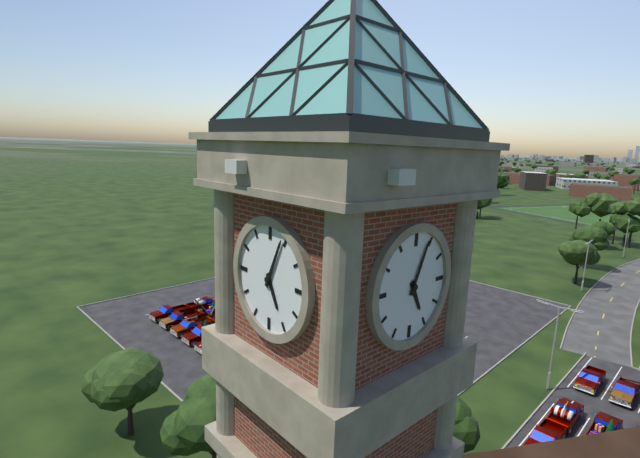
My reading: 5:04
